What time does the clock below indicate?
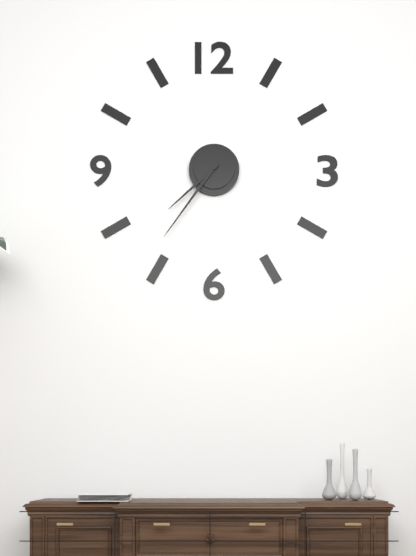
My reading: 7:36
